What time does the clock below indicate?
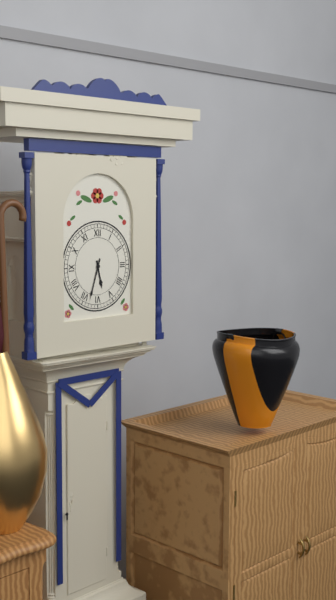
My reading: 5:33
